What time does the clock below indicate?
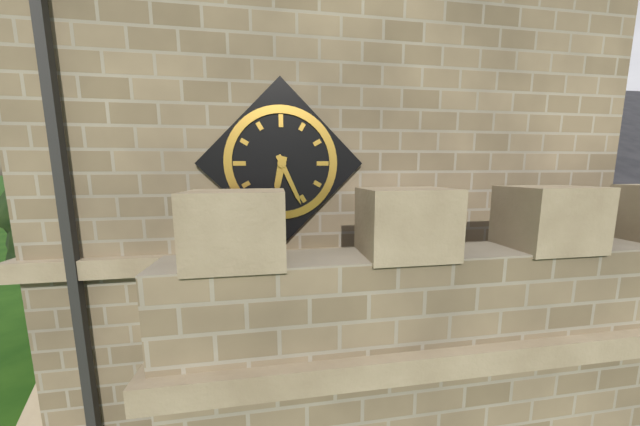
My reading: 6:26
